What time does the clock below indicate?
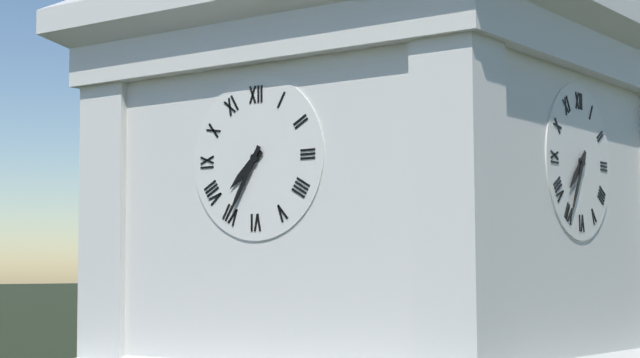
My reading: 7:35
